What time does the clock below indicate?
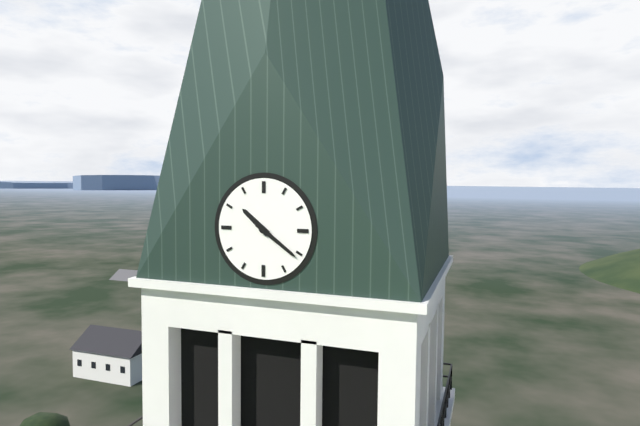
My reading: 10:21
